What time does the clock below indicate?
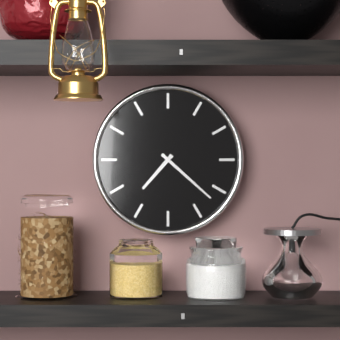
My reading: 7:22
